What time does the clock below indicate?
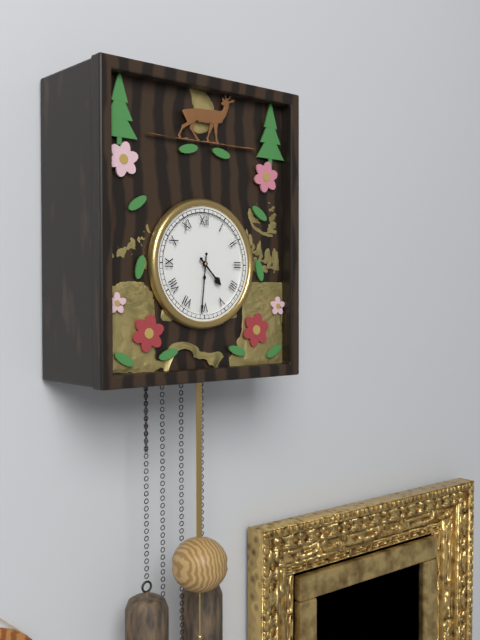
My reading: 4:31
